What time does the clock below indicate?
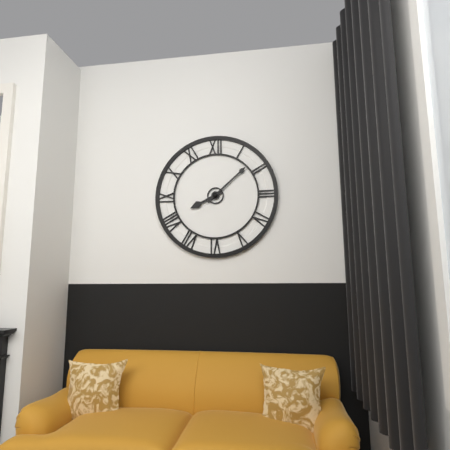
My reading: 8:08
